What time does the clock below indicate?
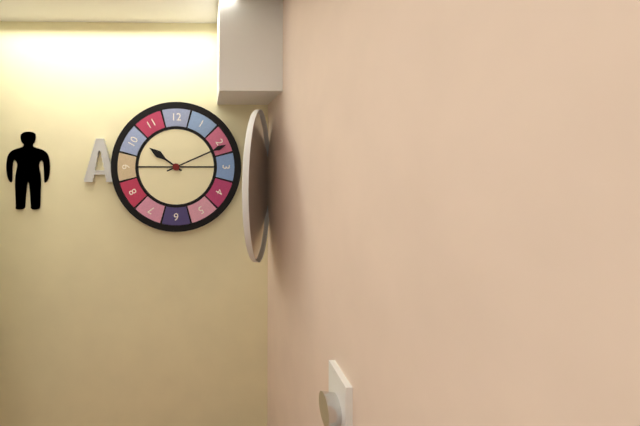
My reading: 10:11
